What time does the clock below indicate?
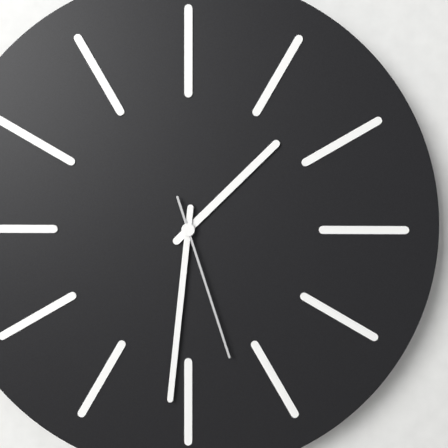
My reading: 1:31:27
